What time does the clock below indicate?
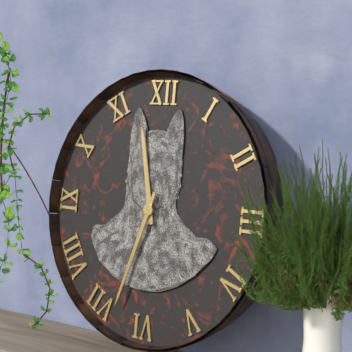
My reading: 11:33
